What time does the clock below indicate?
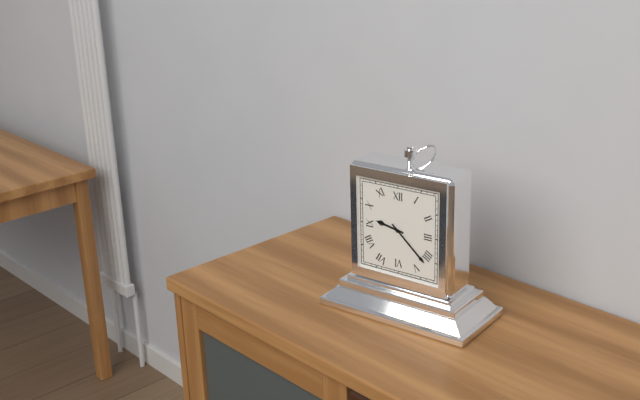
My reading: 9:22
